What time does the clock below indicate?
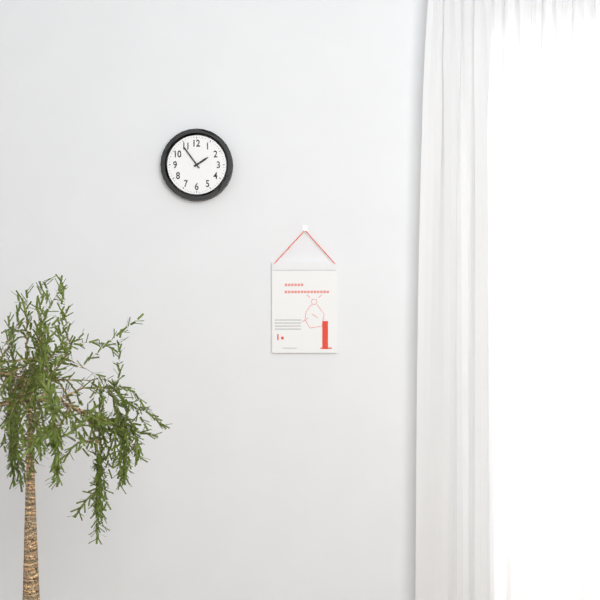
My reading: 1:54
